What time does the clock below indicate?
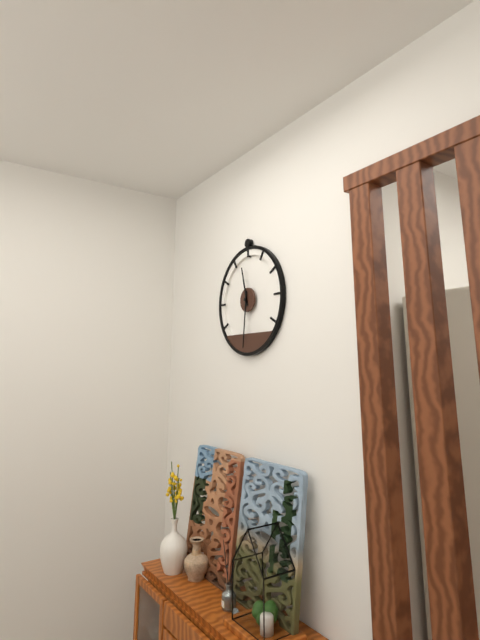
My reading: 11:31
